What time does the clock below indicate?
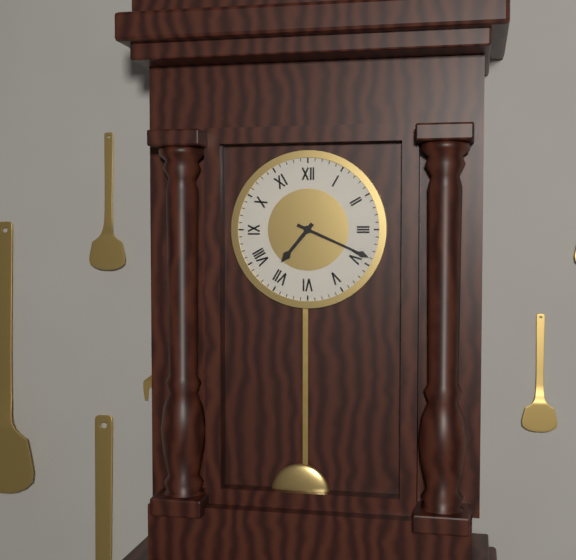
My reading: 7:19
